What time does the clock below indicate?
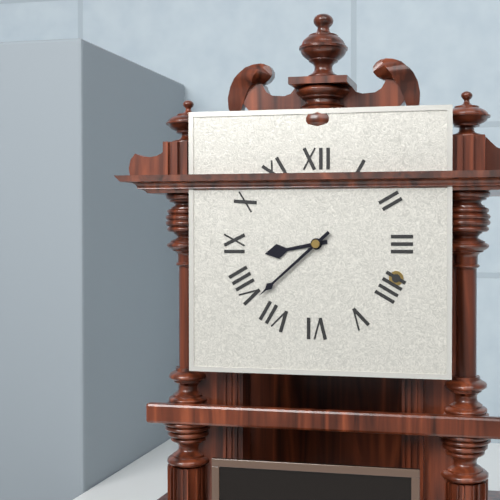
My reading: 8:38
